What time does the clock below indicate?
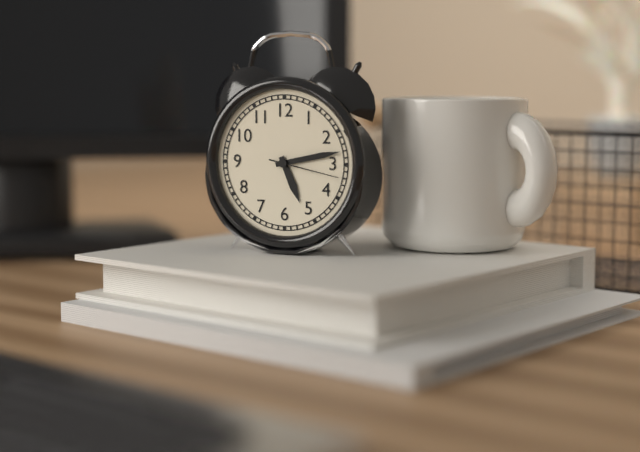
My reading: 5:13:17
